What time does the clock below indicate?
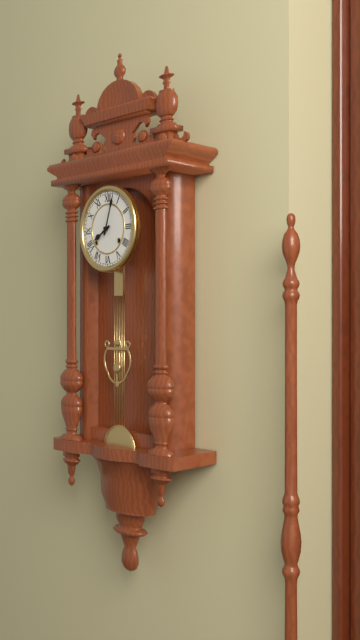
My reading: 8:03
